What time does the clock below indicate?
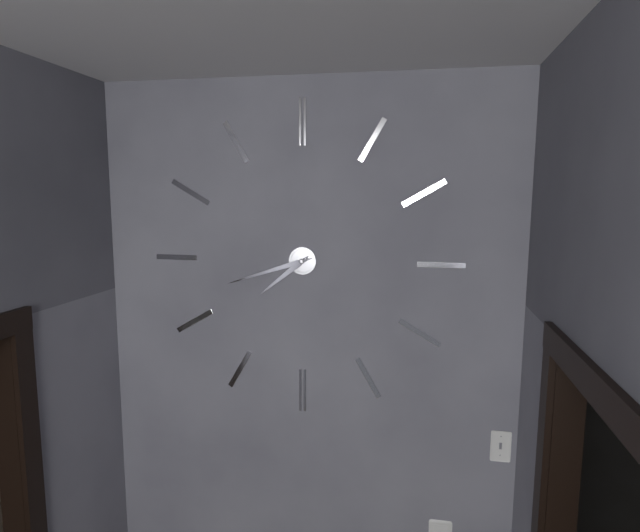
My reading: 7:42
